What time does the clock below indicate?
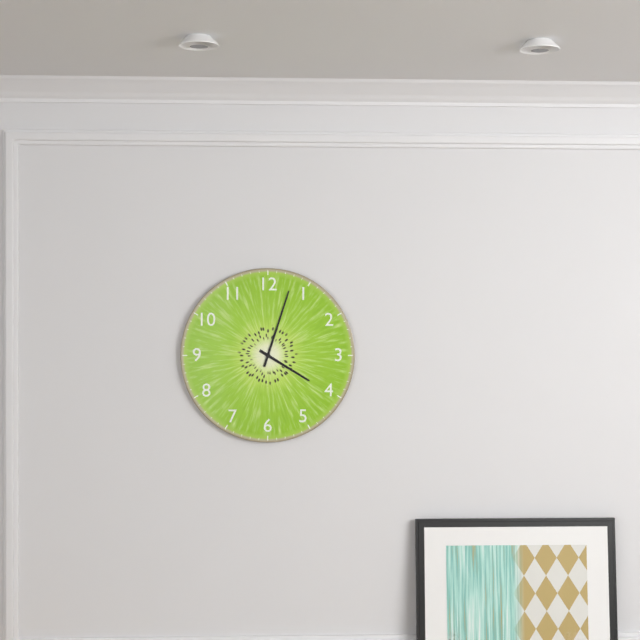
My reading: 4:03
